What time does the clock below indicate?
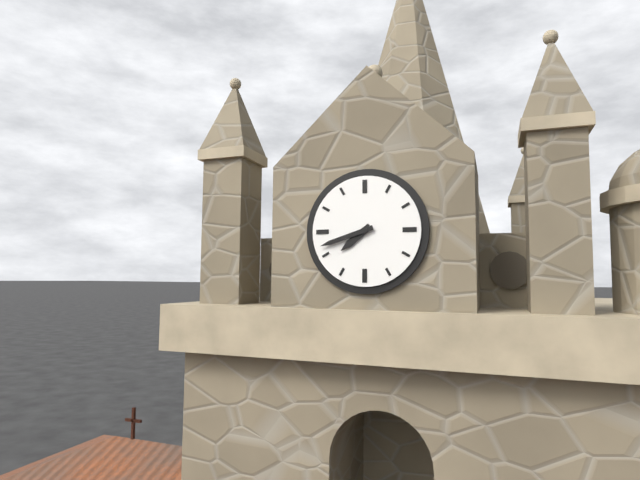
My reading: 7:42
